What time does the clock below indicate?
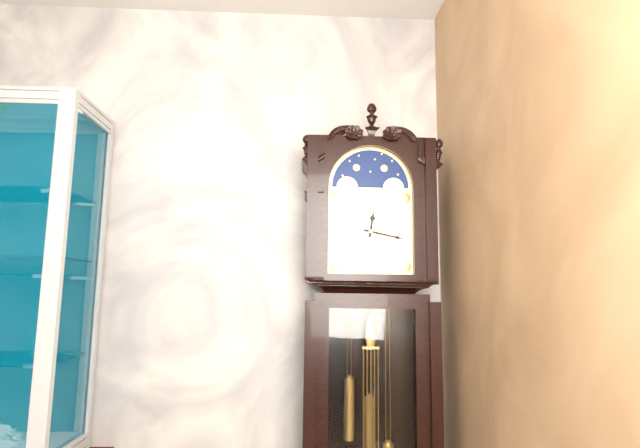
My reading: 12:17
